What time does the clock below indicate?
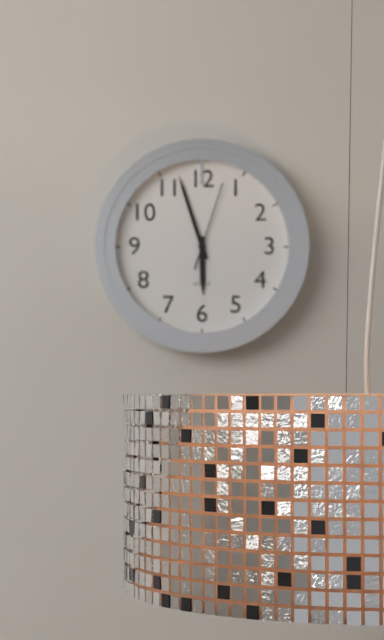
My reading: 5:57:03
